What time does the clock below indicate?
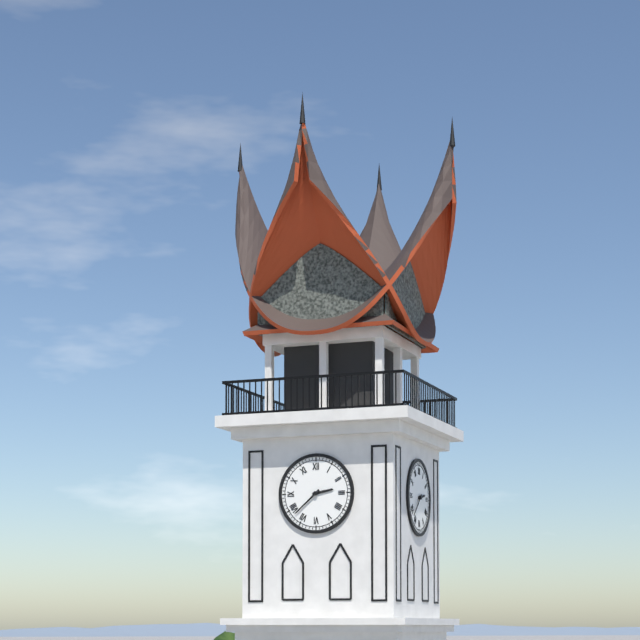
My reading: 2:38
